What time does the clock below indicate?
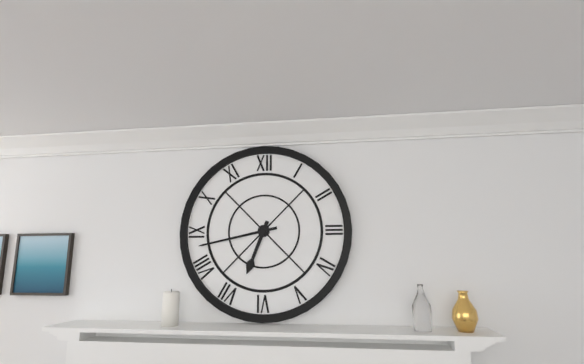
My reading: 6:43
